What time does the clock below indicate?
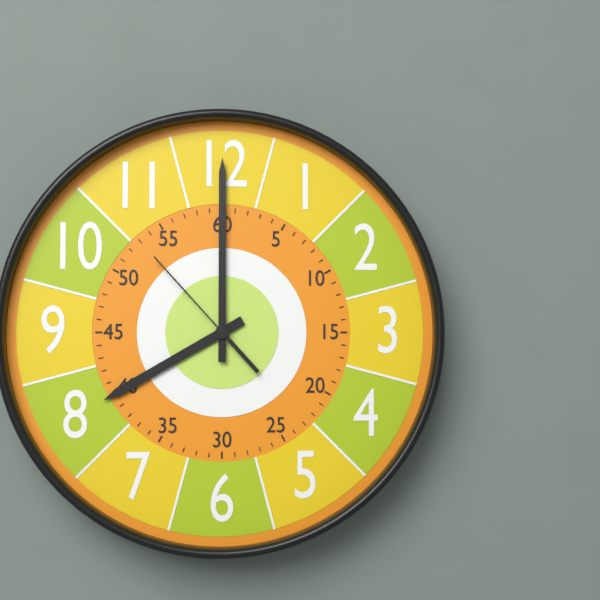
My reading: 8:00:53
